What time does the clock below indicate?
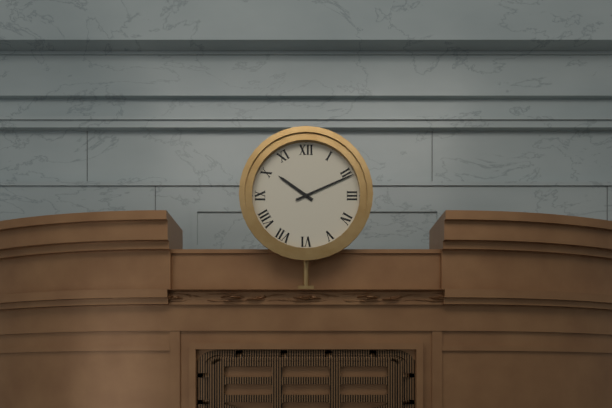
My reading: 10:11
